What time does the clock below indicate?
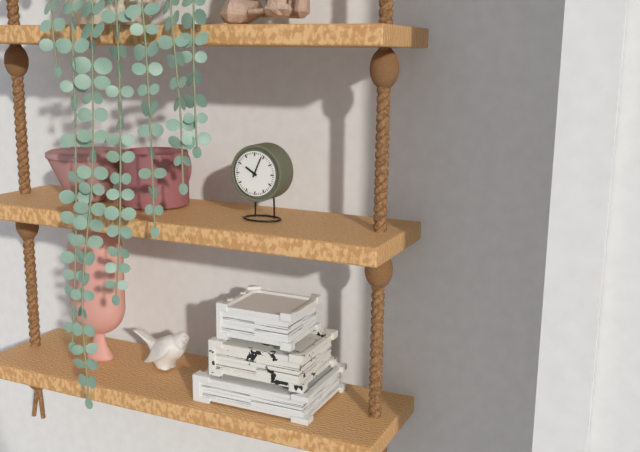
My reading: 10:04
